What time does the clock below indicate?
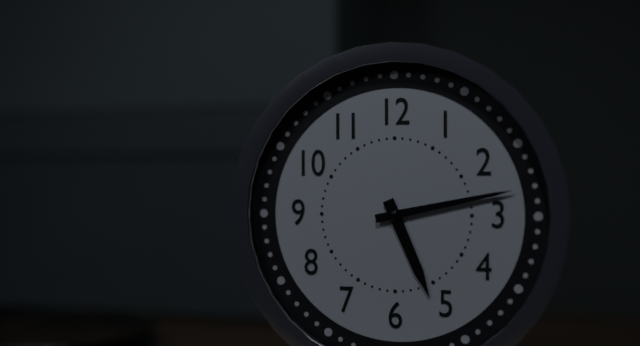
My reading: 5:13
